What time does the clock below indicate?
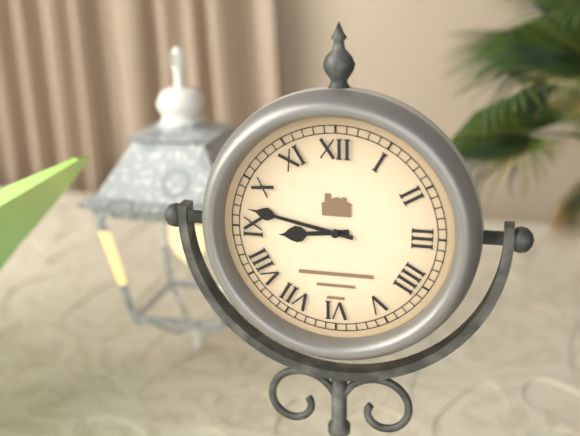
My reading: 8:47
